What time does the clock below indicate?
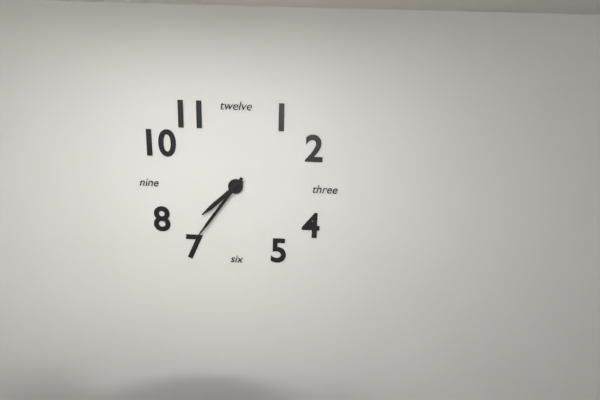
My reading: 7:36
